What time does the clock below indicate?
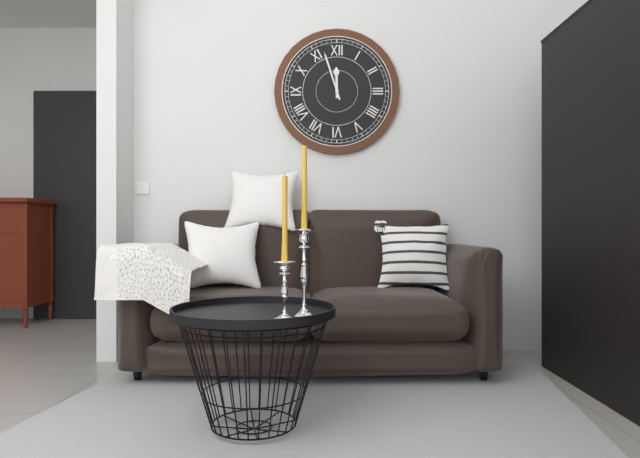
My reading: 11:57
